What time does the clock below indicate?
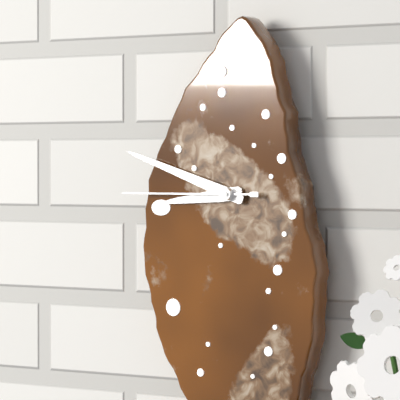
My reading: 8:48:45
